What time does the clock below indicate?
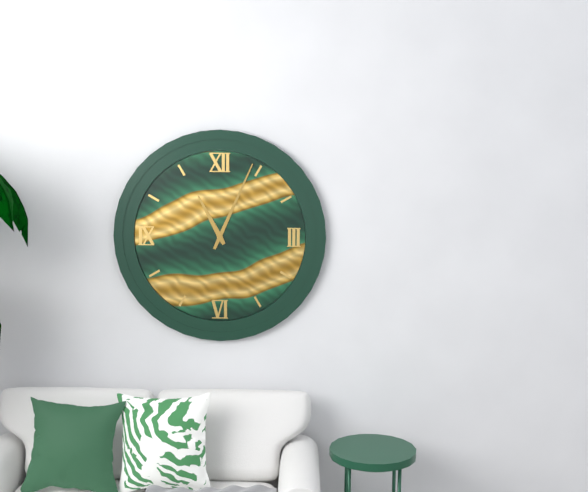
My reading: 11:04
